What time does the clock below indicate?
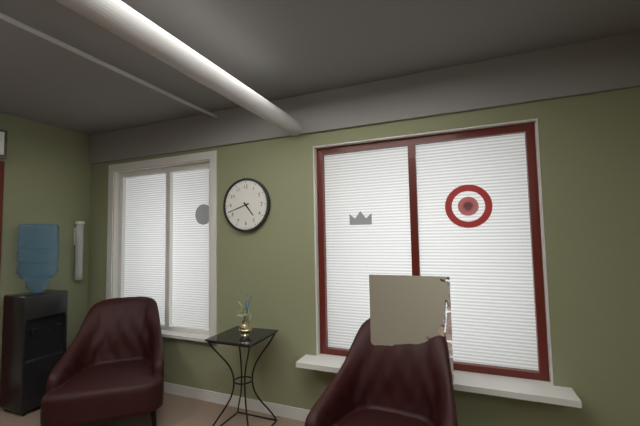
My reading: 4:42
